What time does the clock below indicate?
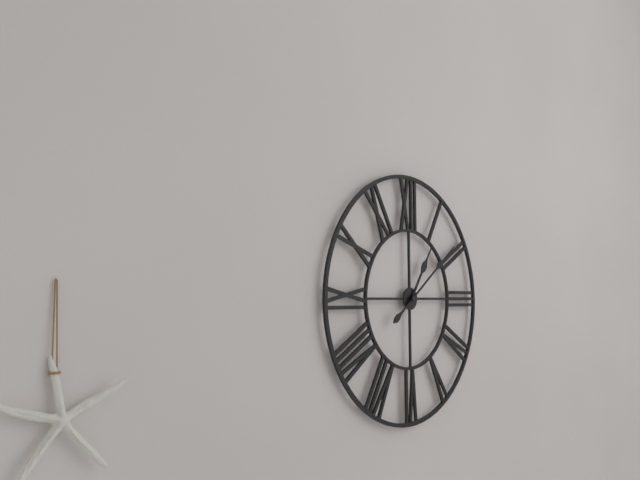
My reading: 1:09
